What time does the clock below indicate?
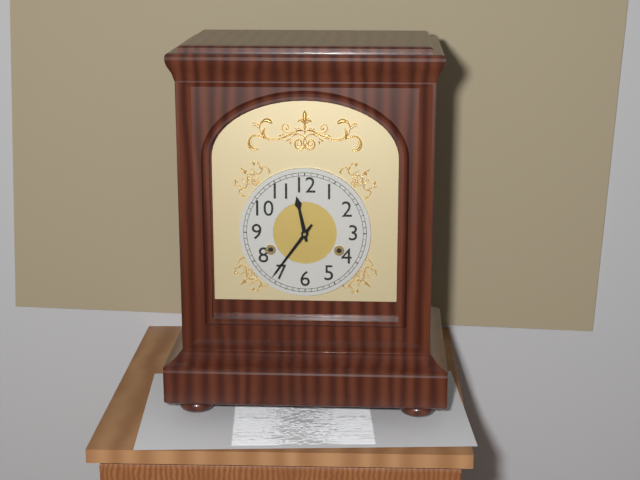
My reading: 11:36
